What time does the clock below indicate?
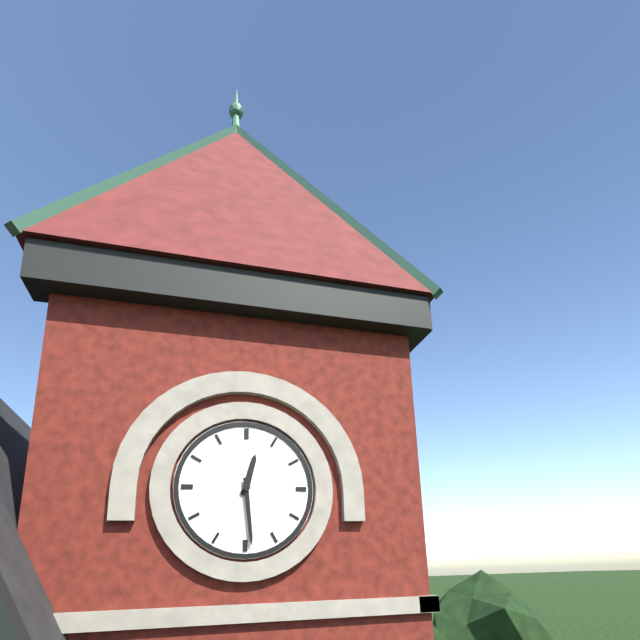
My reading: 12:29
